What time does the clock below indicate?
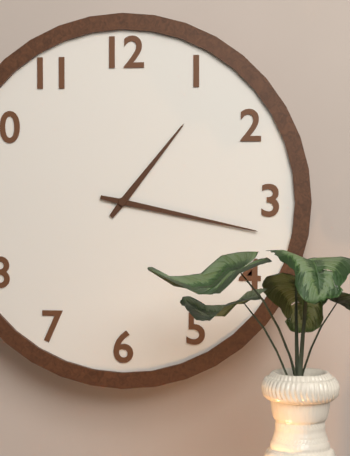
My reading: 1:17
